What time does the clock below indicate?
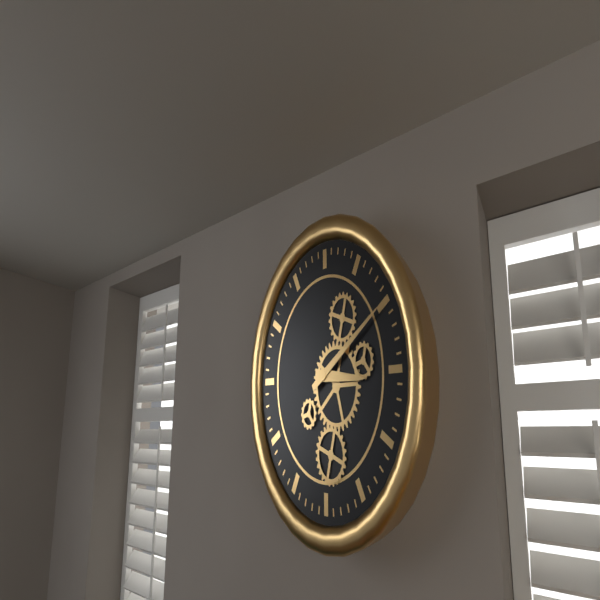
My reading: 3:10
